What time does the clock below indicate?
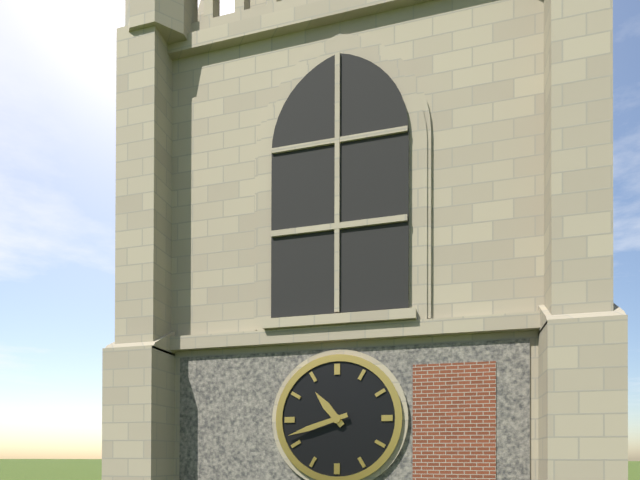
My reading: 10:42
